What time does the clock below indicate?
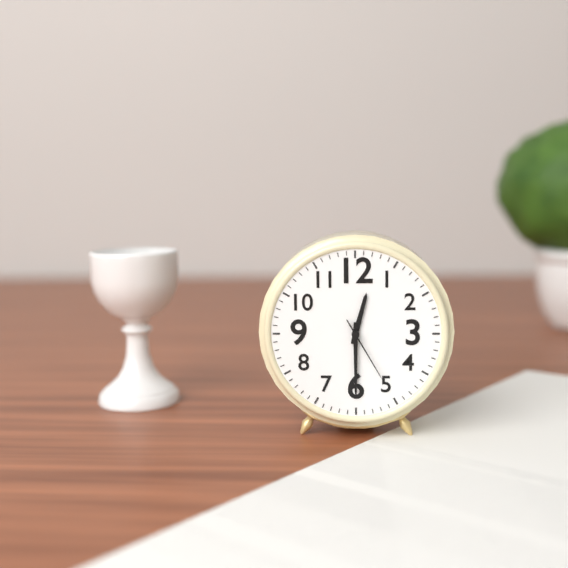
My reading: 12:30:25
